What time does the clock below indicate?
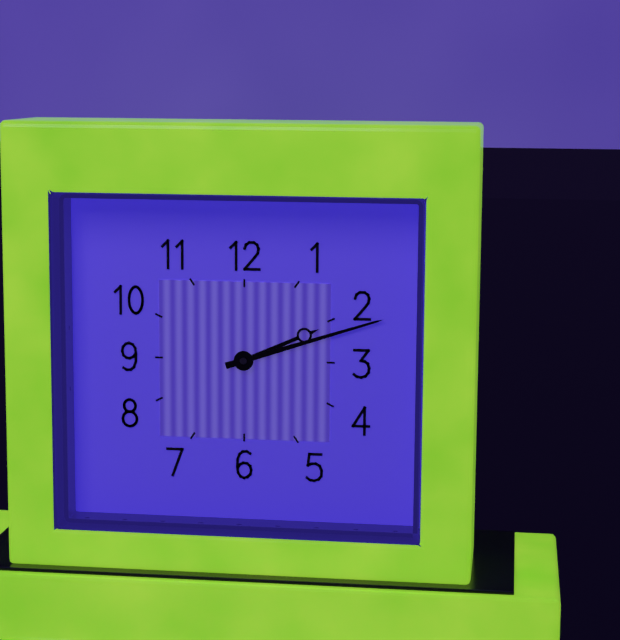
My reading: 2:12
